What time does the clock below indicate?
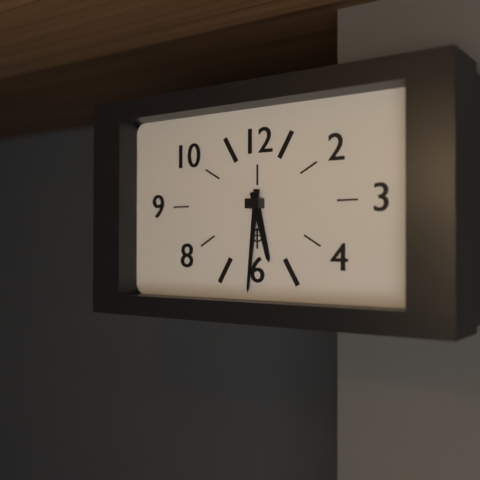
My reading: 5:31
